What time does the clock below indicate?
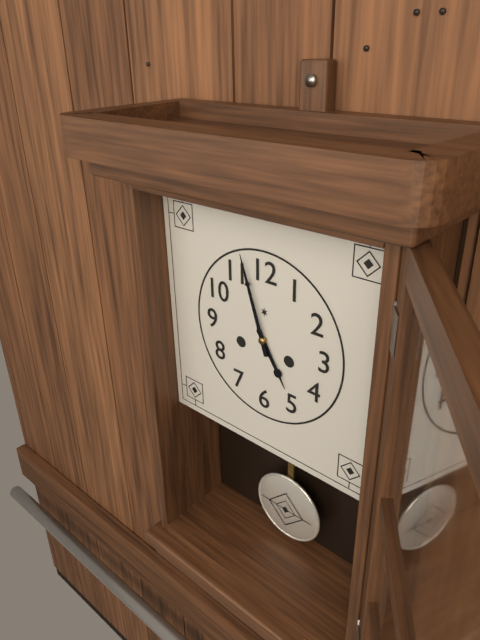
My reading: 4:57
